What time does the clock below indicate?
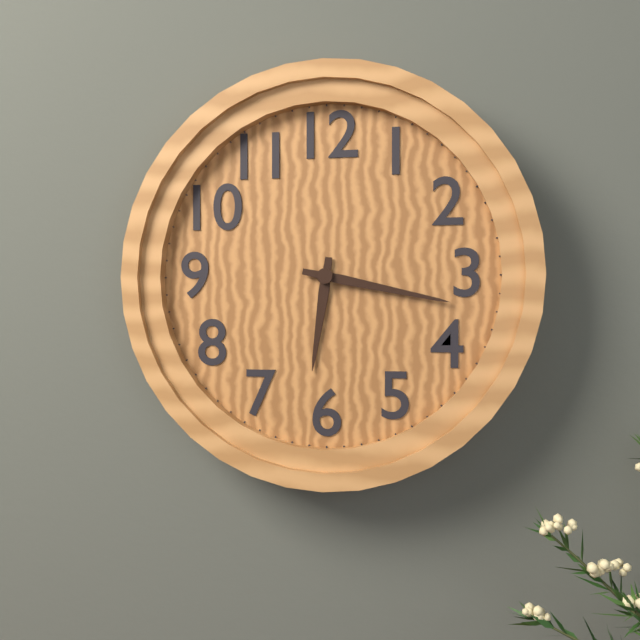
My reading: 6:17
